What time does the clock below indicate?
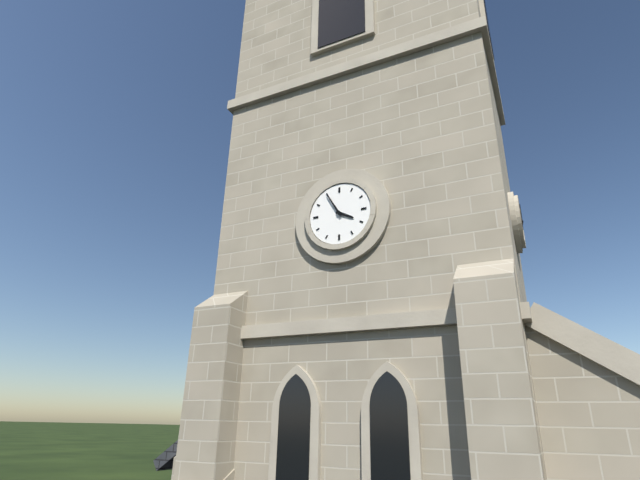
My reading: 3:55
